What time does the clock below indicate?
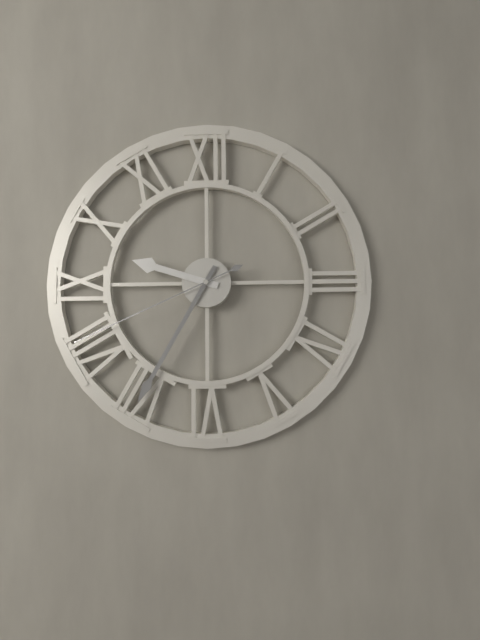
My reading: 9:35:41
